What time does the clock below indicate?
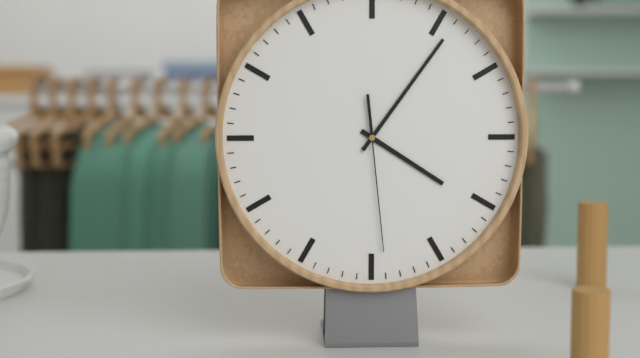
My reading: 4:06:29
